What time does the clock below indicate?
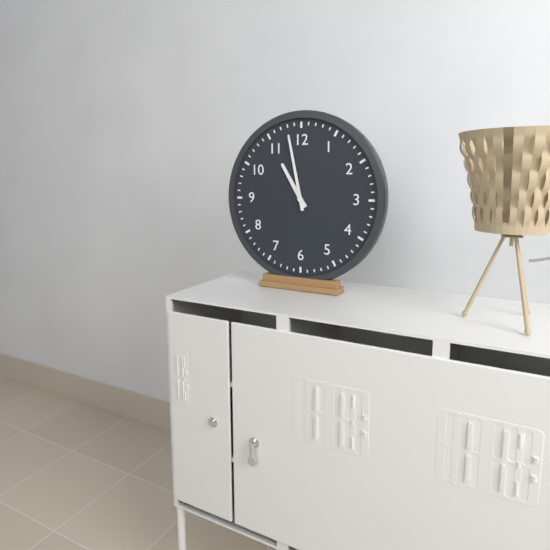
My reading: 10:58
